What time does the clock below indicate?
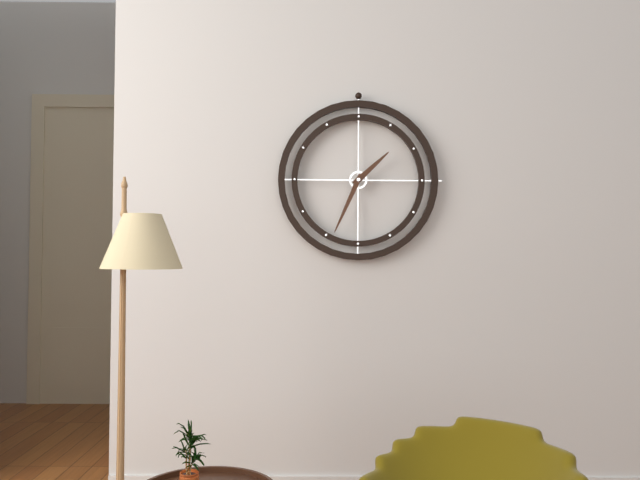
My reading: 1:34
